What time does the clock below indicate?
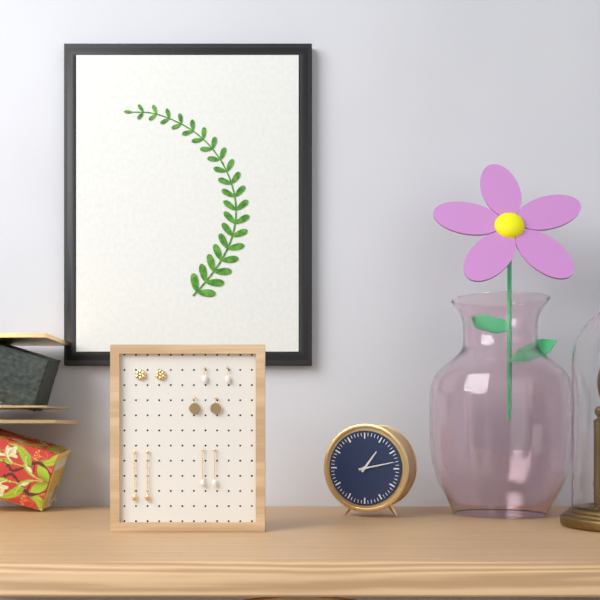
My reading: 1:13
